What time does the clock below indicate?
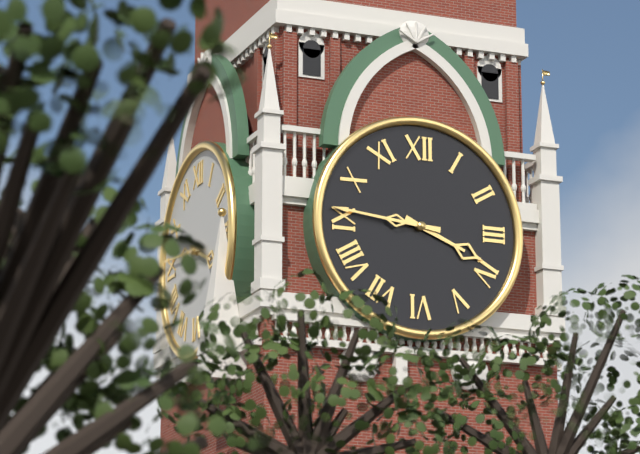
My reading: 3:46
